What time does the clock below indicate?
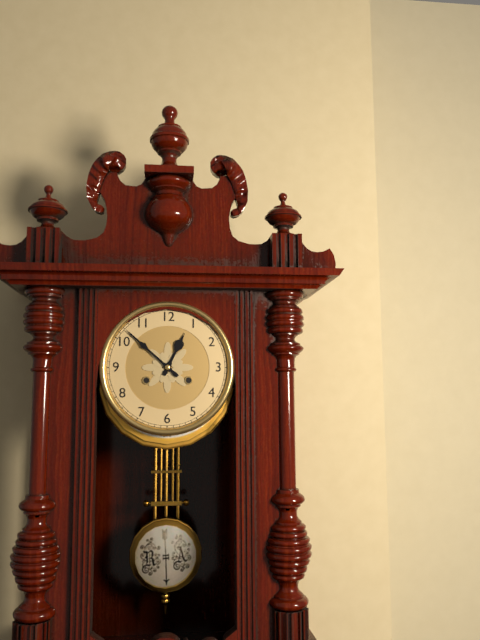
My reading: 12:52
